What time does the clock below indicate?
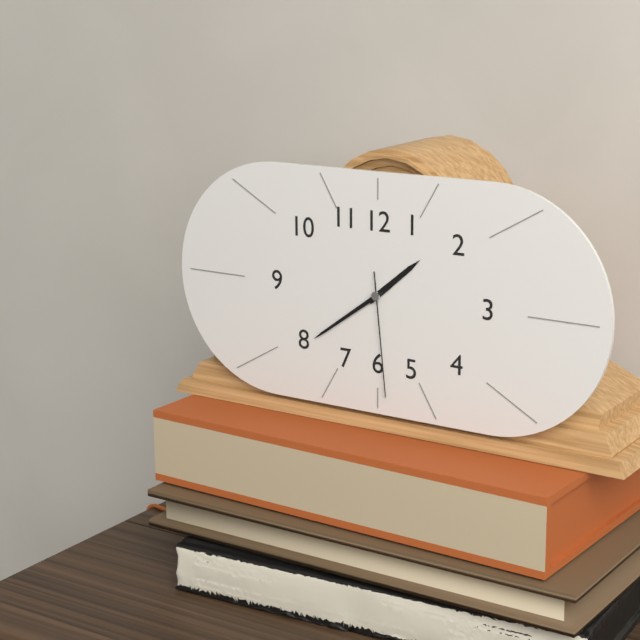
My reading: 1:39:29
